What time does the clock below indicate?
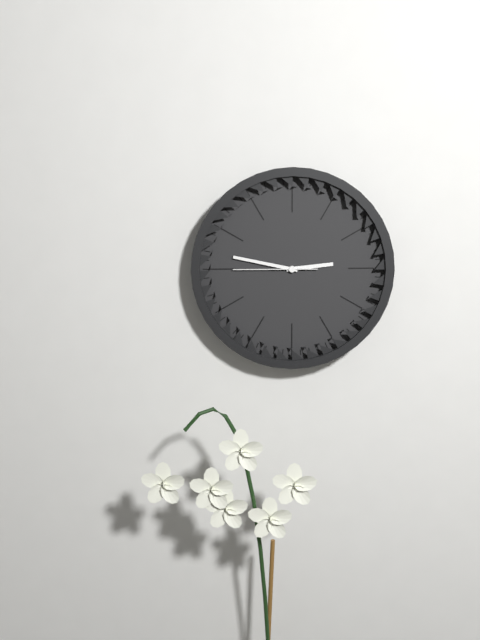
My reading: 2:47:45
